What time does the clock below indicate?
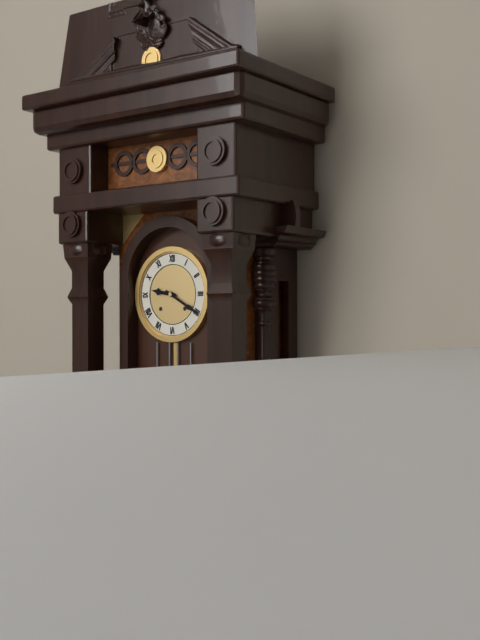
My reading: 9:20
